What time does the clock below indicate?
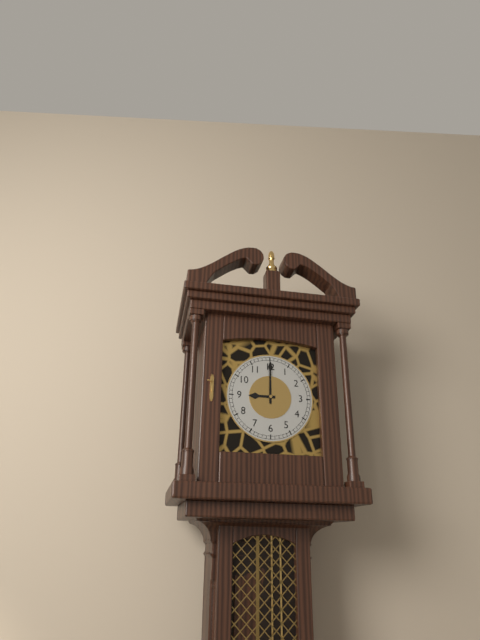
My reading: 9:00
